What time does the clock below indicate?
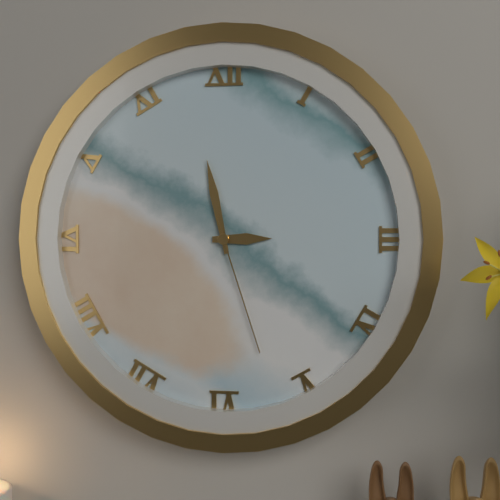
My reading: 2:58:27
